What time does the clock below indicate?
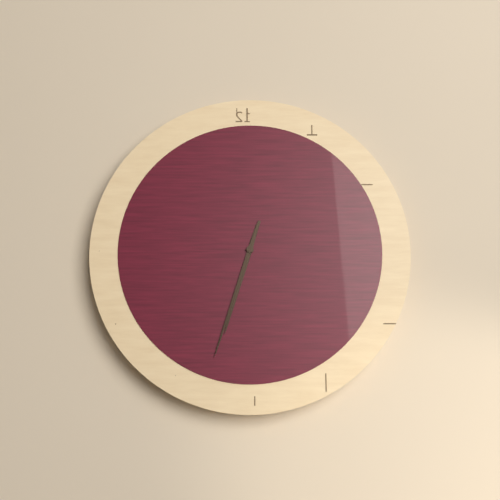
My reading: 6:33
